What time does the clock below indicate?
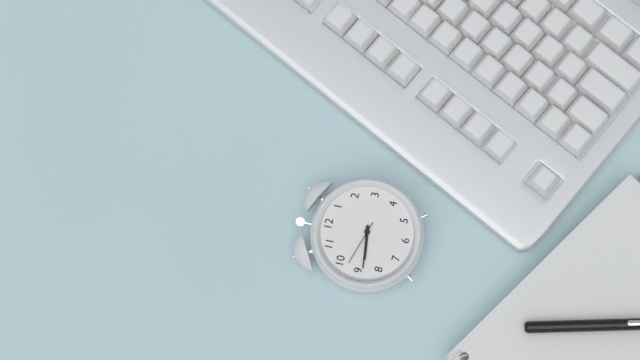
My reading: 8:44
